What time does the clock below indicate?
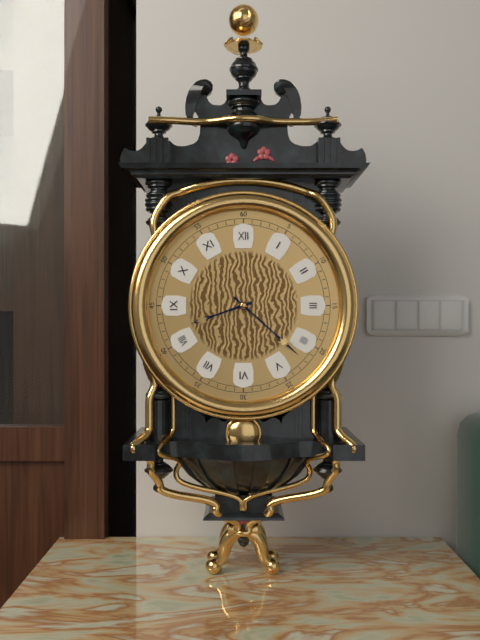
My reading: 8:22
